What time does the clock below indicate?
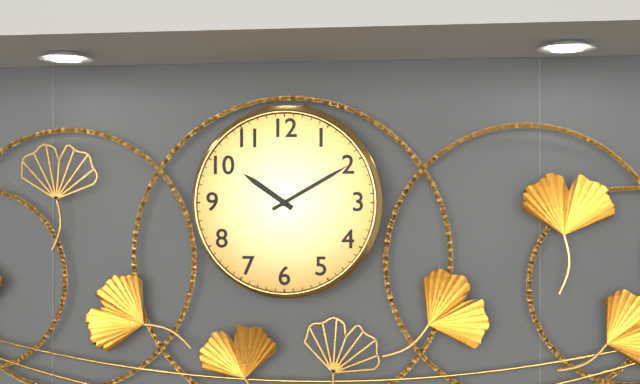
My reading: 10:10
